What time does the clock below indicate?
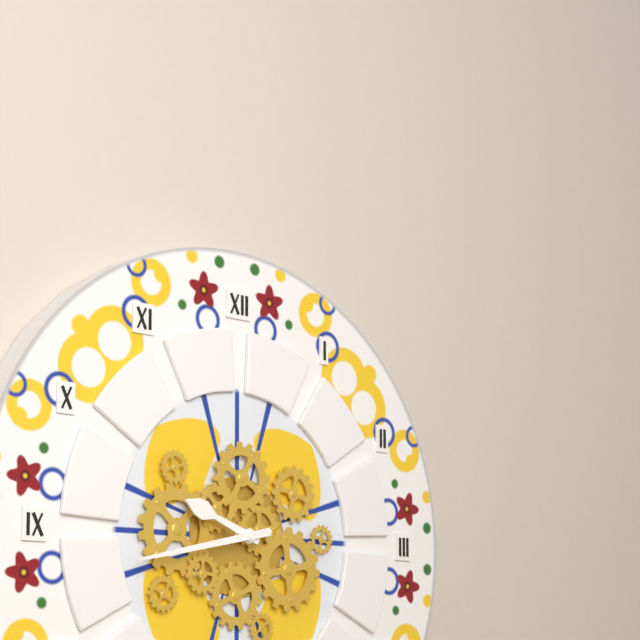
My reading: 9:43
